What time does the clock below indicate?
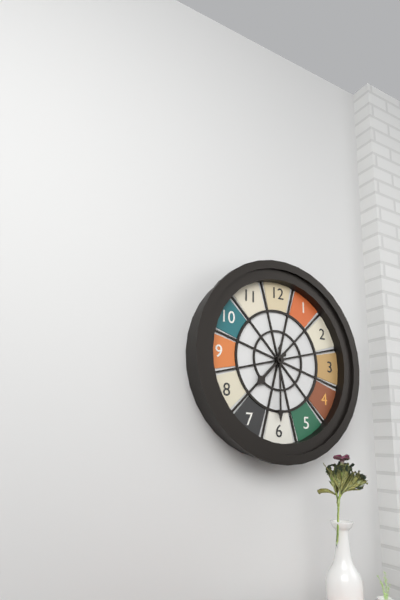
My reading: 7:30
